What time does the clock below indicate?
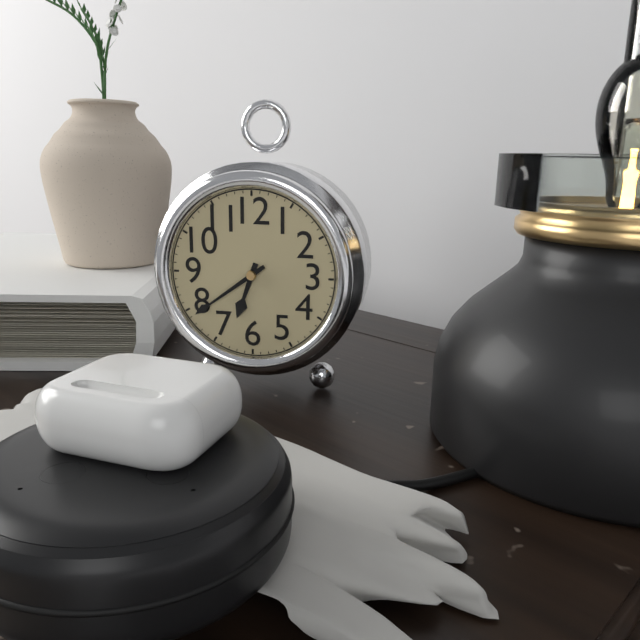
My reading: 6:39
